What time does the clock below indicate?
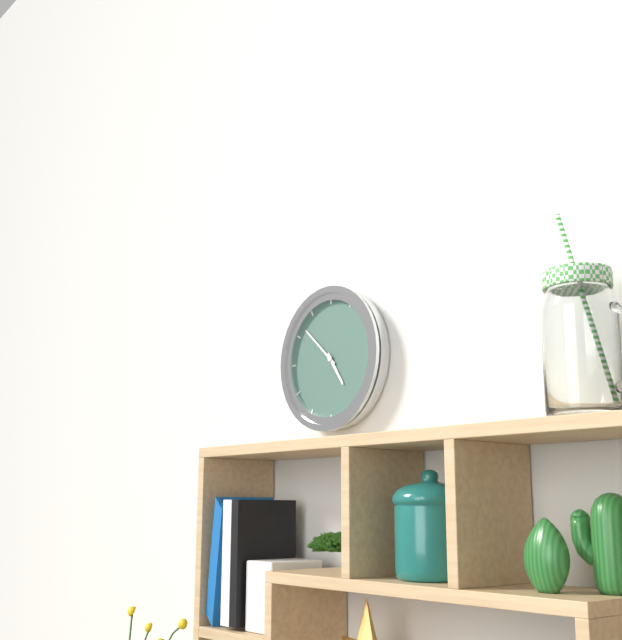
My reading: 4:52
